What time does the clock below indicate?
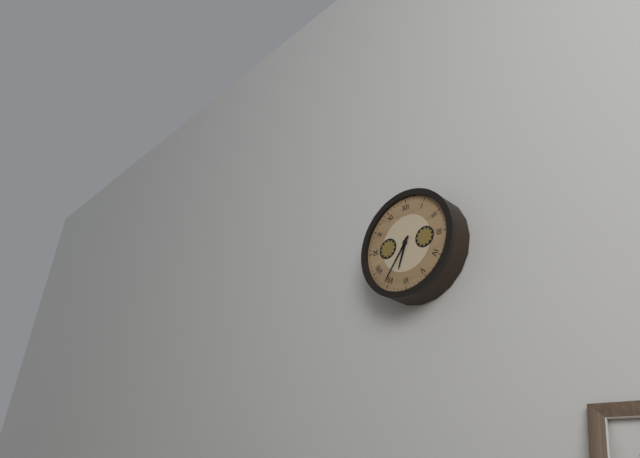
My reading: 6:36
